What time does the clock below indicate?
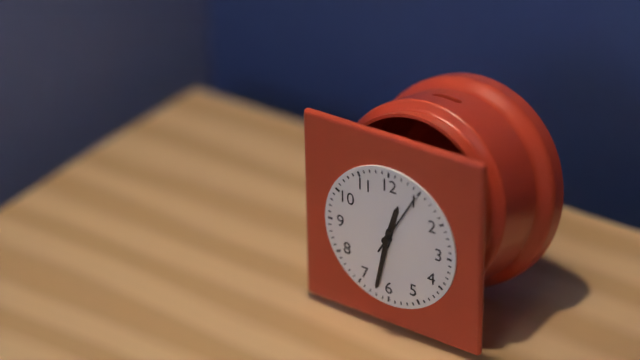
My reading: 12:32:05
